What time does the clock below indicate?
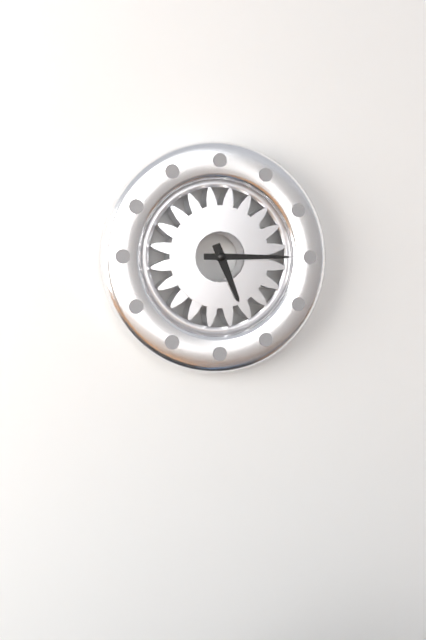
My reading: 5:15
